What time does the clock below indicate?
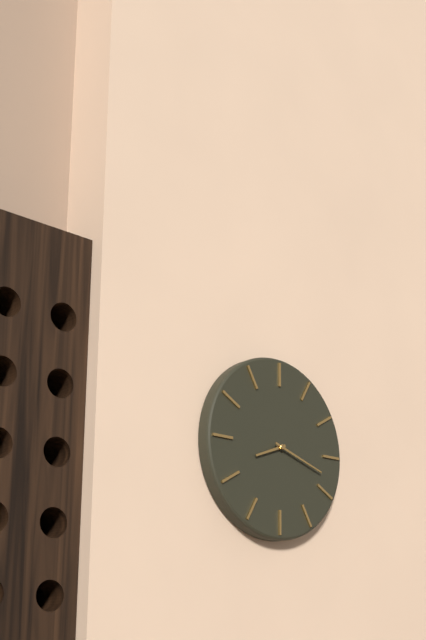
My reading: 8:18
